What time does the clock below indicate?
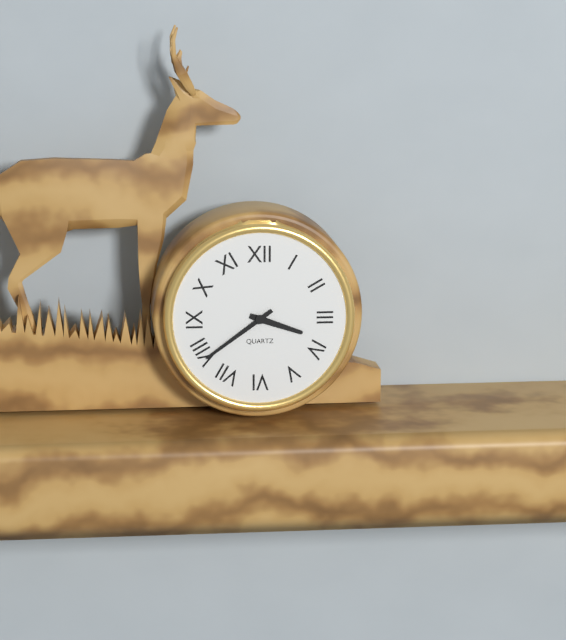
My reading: 3:39
